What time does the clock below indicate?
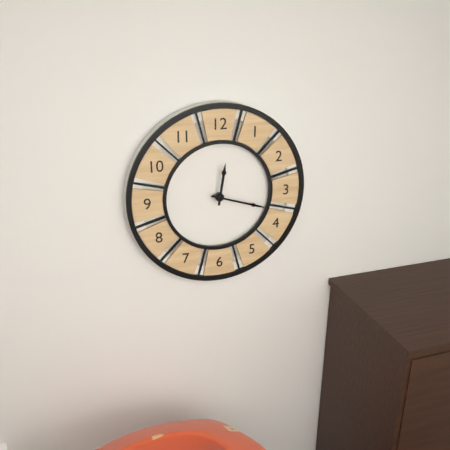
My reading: 12:18
